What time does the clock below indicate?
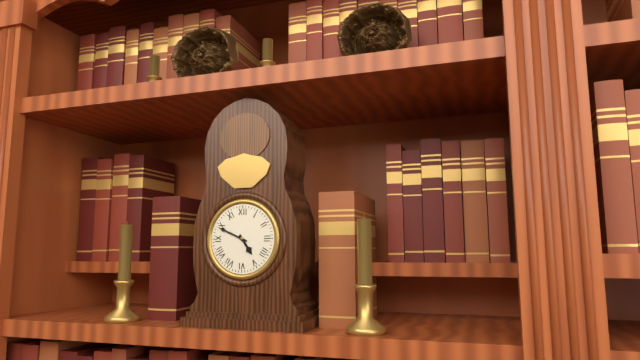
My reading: 4:49
